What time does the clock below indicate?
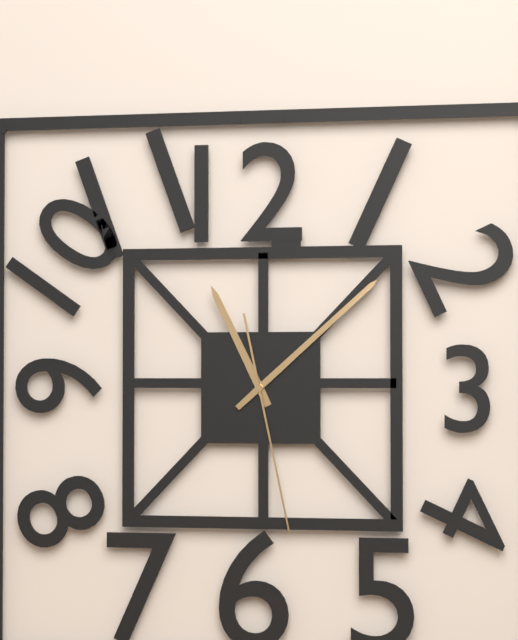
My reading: 11:08:28
